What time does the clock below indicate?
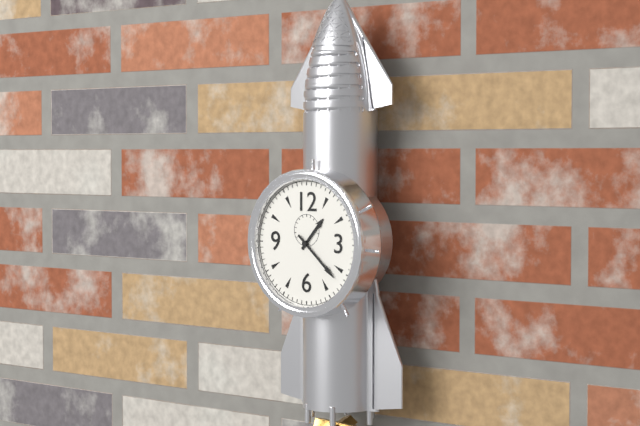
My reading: 1:22
